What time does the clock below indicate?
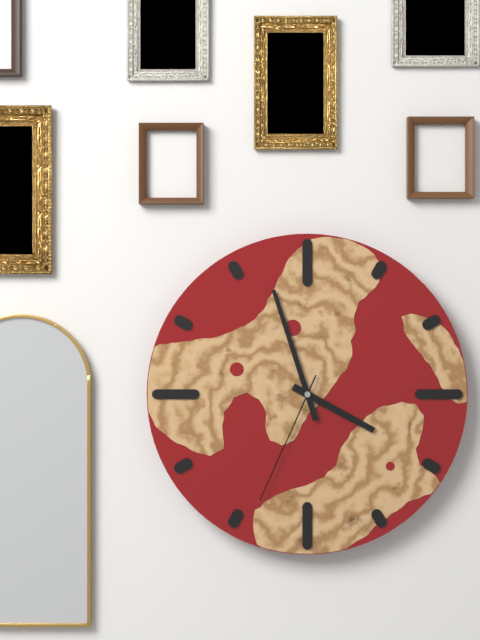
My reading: 3:57:34
